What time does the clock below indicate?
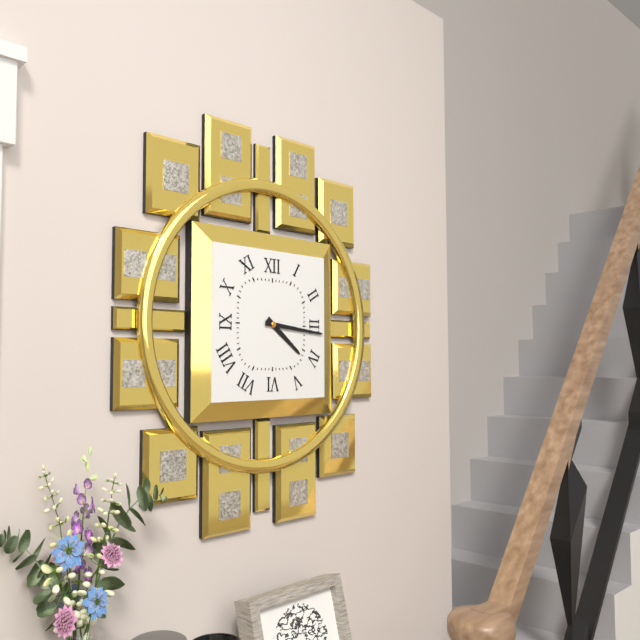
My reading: 4:16
